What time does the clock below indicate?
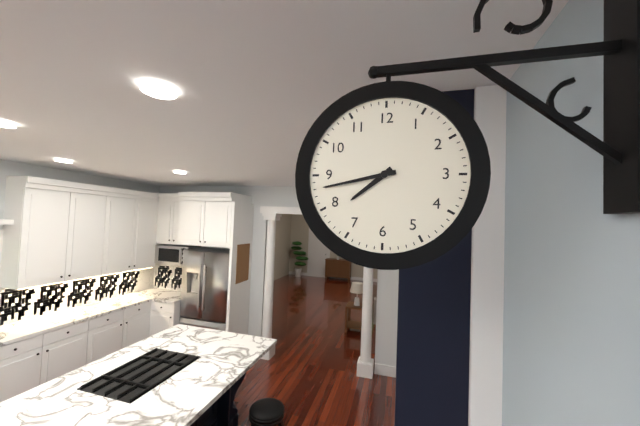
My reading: 7:43
